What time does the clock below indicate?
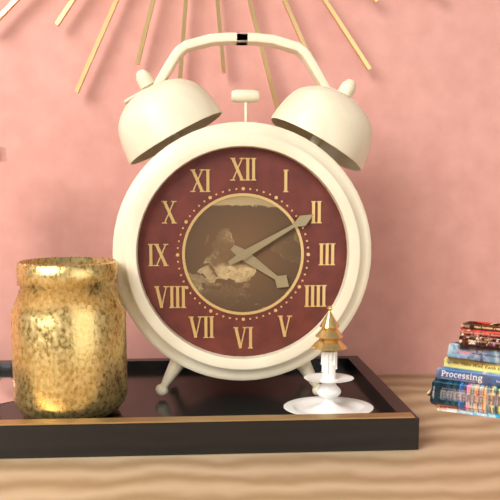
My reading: 4:10
